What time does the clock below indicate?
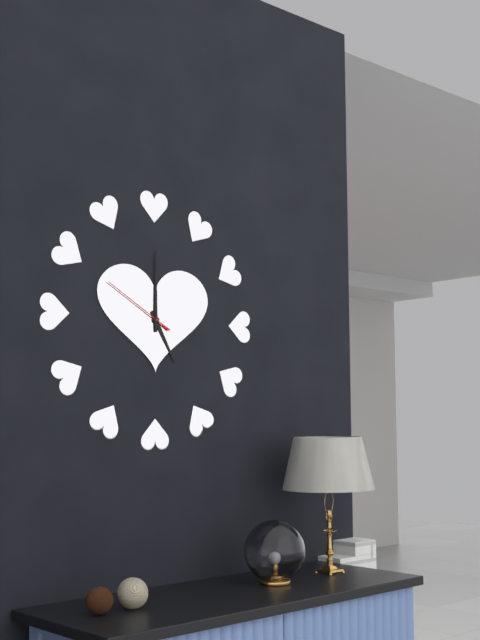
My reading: 5:00:50
